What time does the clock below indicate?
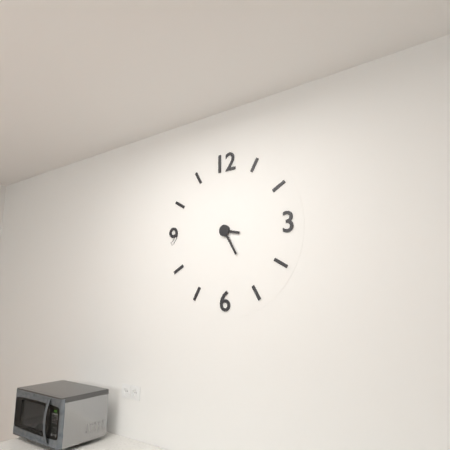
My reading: 3:25
